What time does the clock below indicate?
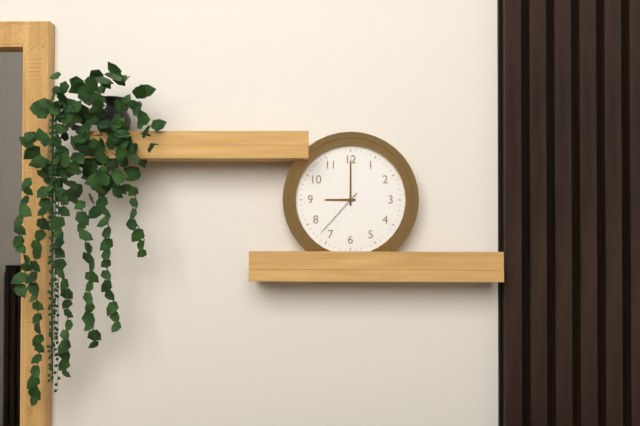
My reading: 9:00:37
